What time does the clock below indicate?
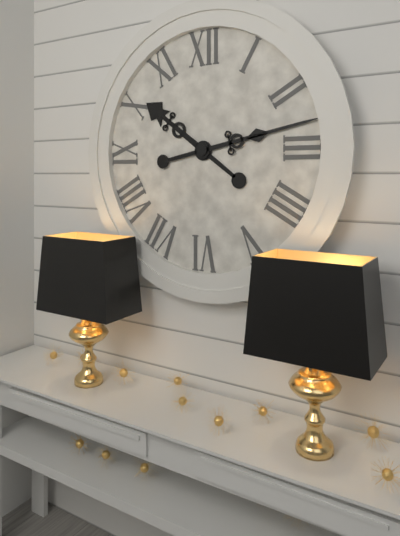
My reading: 10:13
